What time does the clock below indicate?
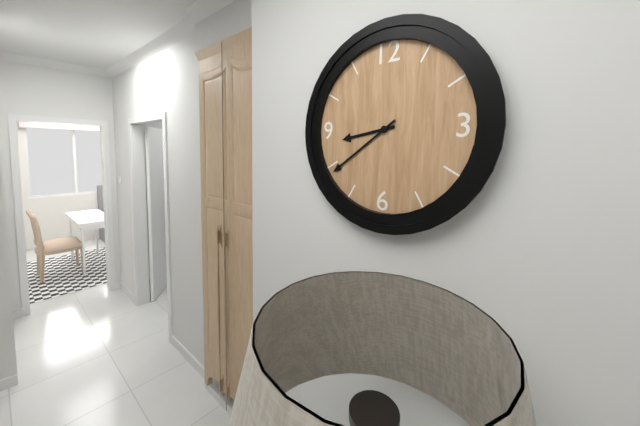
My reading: 8:39
